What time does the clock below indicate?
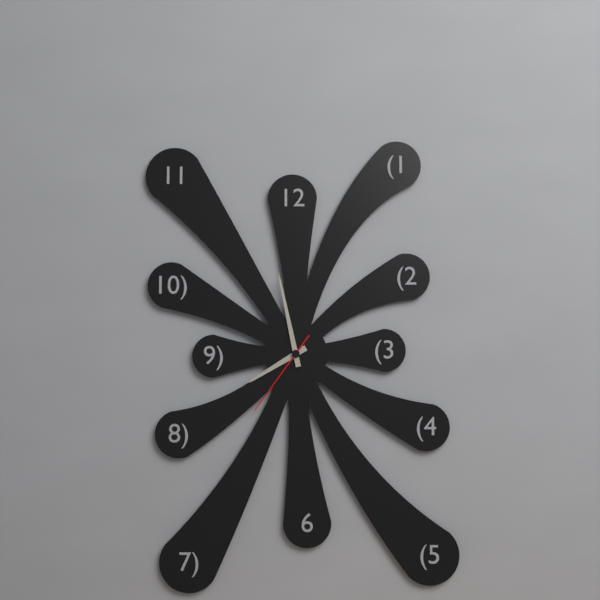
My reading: 7:58:36
